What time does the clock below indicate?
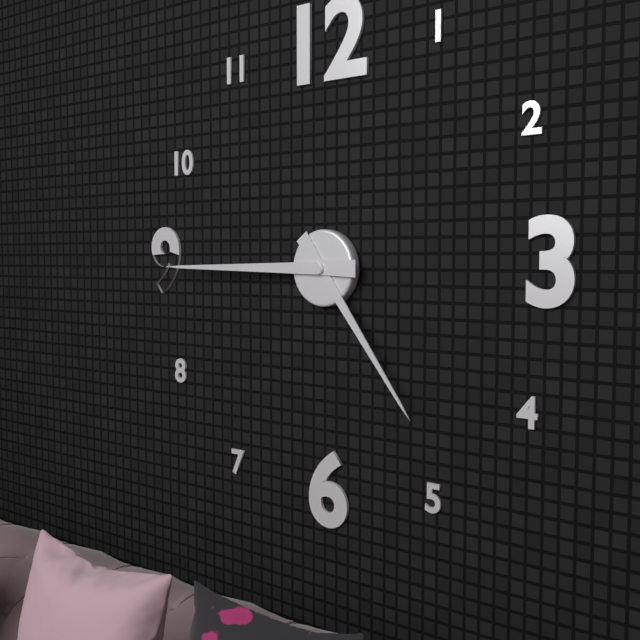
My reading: 4:45
